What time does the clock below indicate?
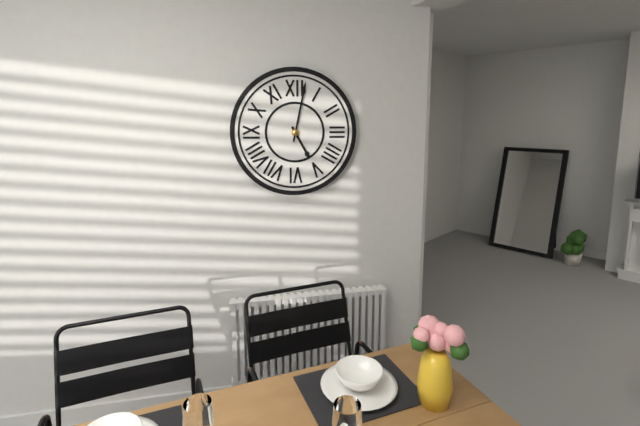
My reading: 5:02
